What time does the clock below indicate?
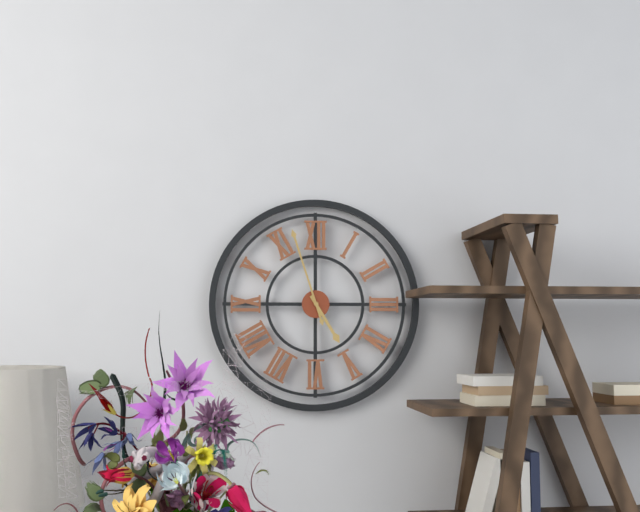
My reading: 4:57
